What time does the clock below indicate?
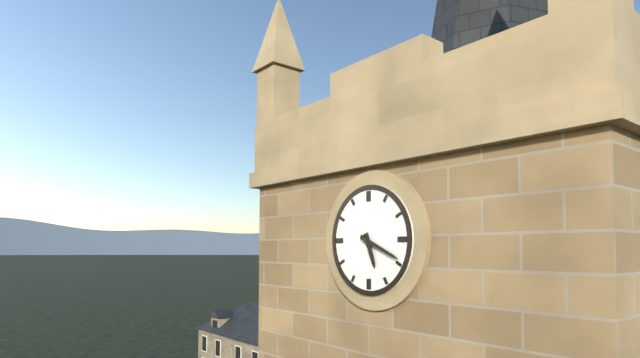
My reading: 5:19
